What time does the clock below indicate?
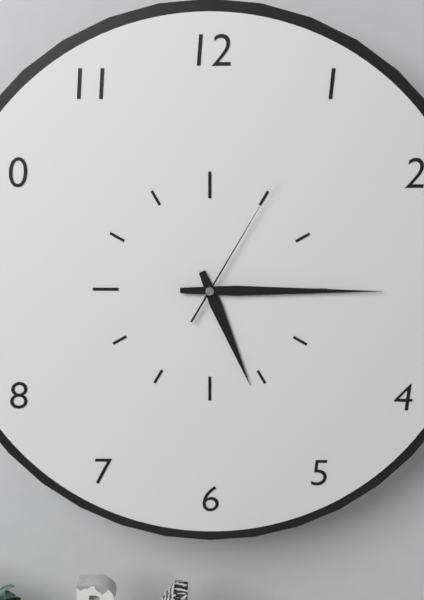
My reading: 5:15:05
